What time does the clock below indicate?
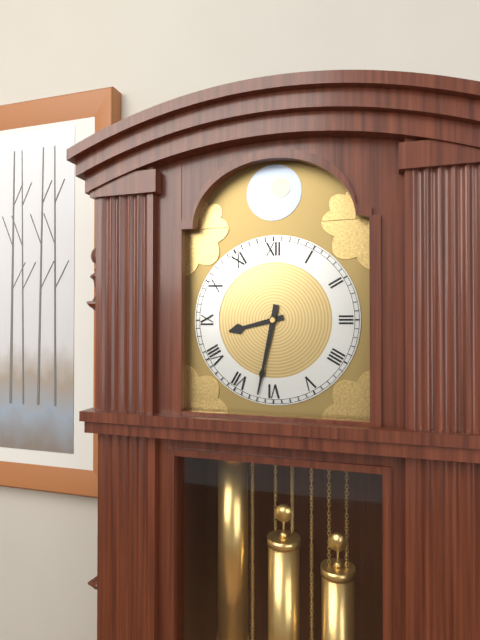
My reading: 8:32
